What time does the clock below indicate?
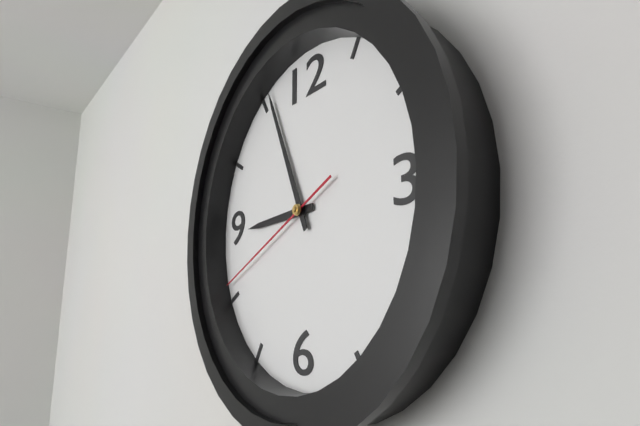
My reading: 8:56:41
